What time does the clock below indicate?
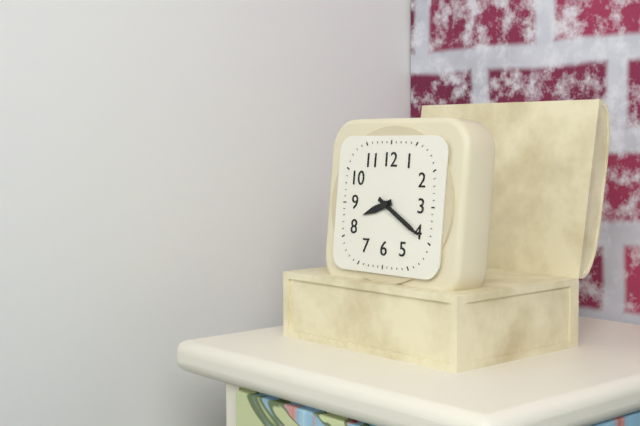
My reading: 8:20
